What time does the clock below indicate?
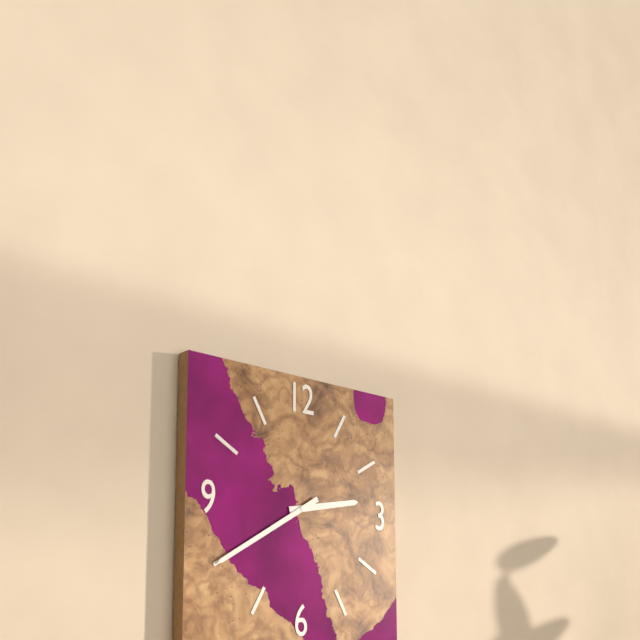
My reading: 2:40
